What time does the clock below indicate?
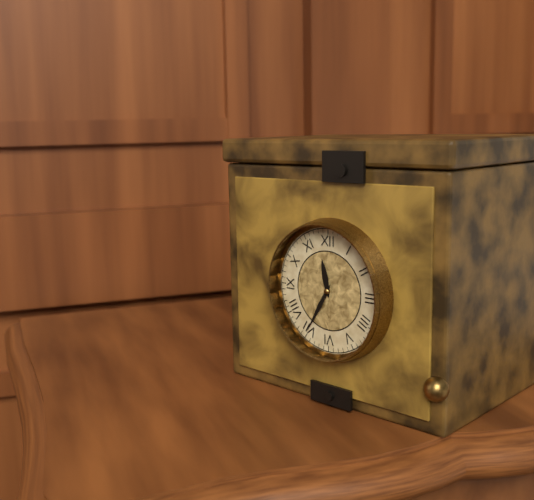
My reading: 11:35
